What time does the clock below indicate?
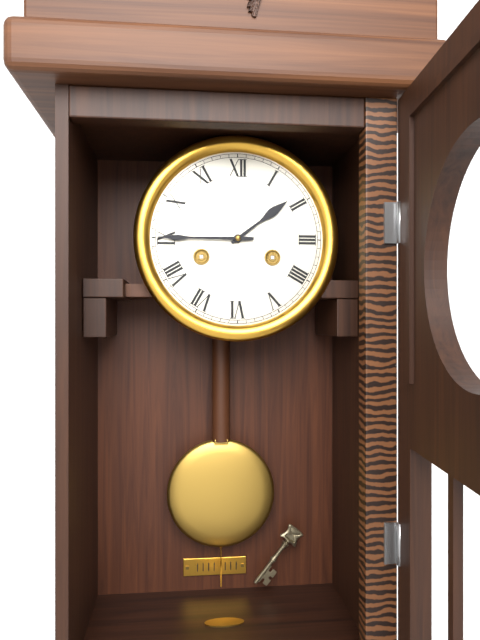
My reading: 1:45
